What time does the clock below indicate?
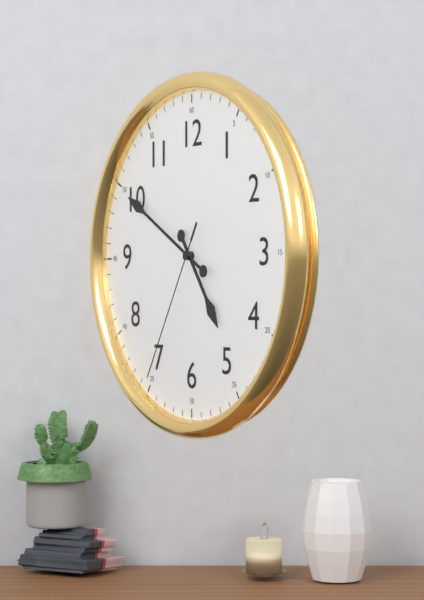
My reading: 4:50:35
